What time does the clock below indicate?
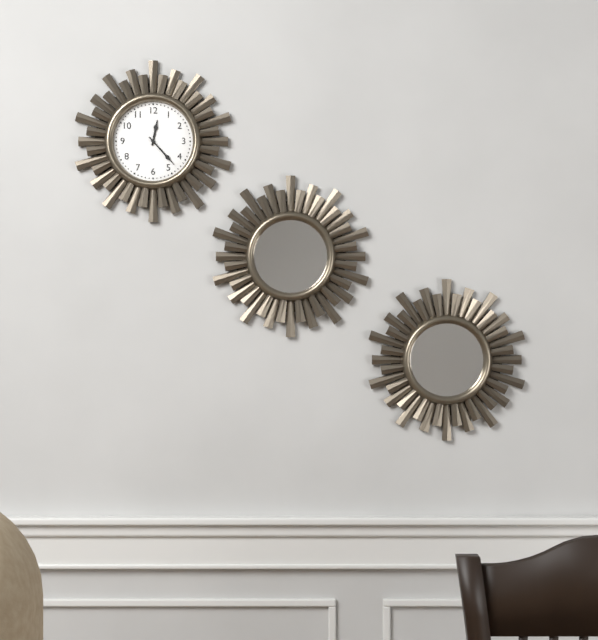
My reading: 12:23
